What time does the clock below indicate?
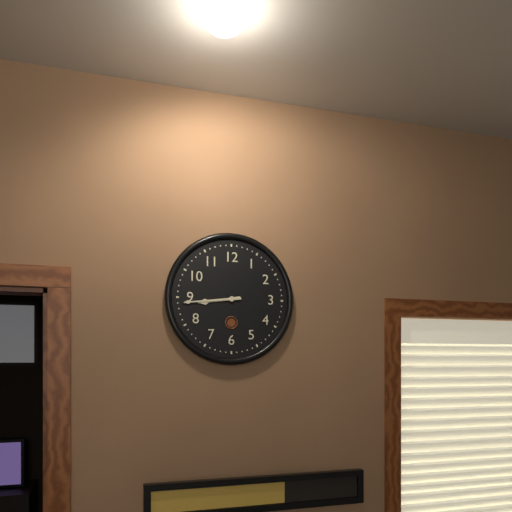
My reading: 8:44
